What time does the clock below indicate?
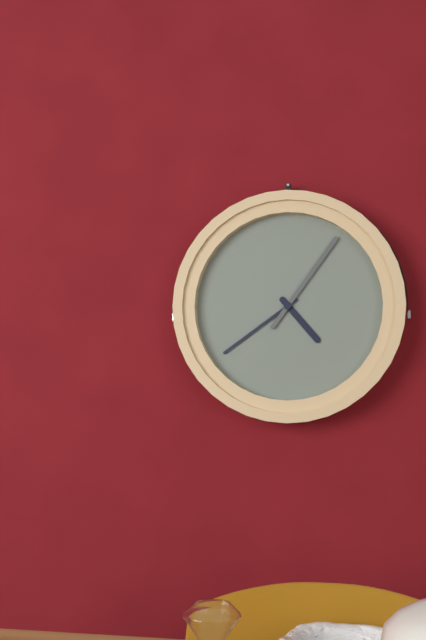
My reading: 4:39:06
